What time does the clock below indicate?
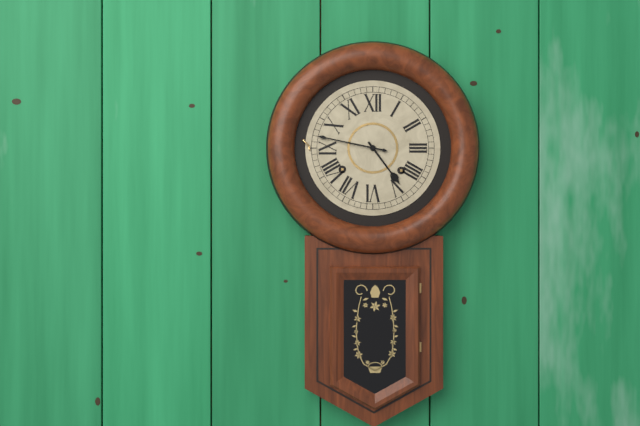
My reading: 4:47
